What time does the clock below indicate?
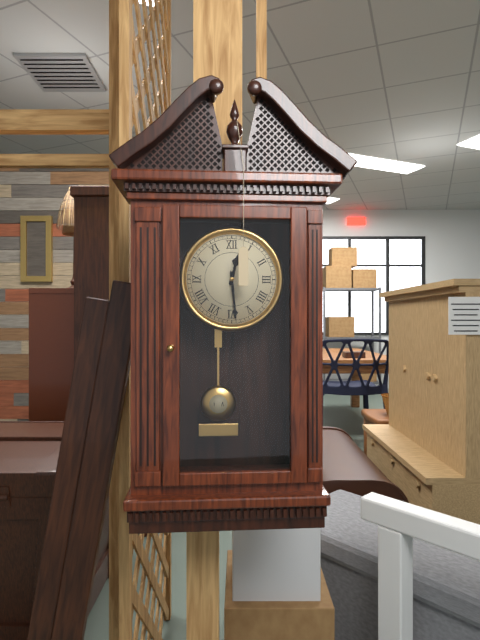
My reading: 12:29
